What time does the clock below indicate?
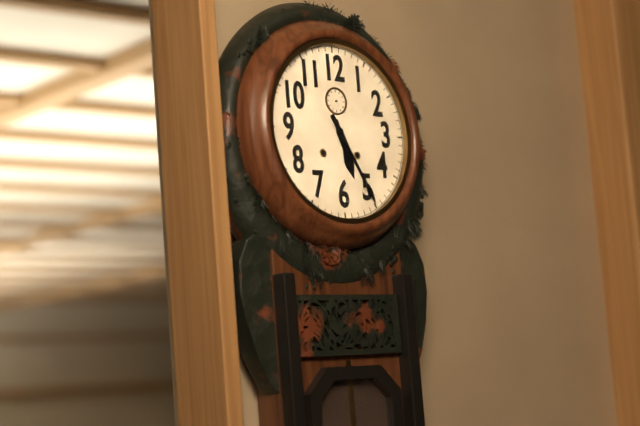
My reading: 5:25
